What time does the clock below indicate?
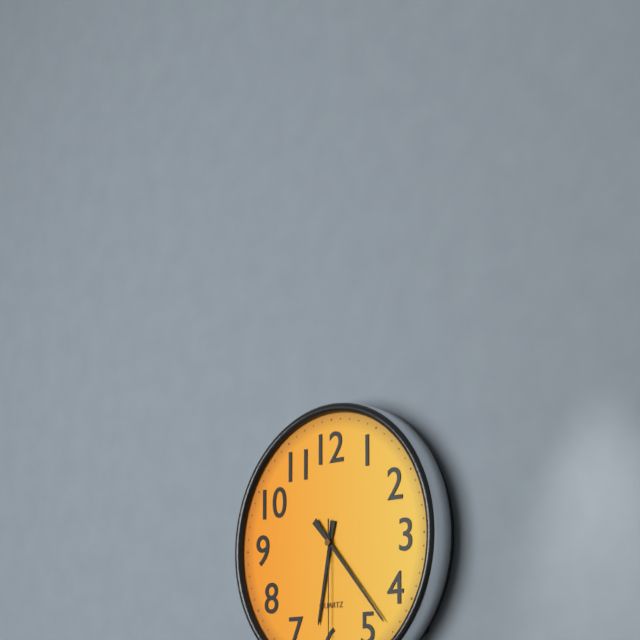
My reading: 6:23
